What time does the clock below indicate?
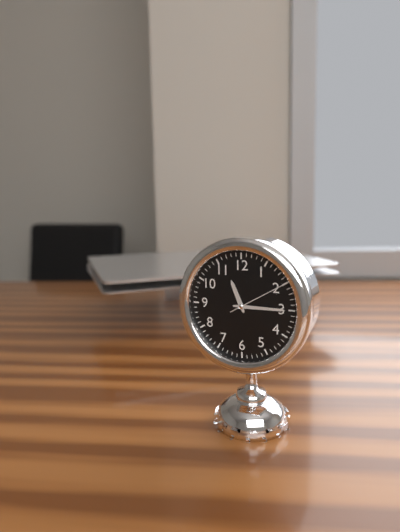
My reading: 11:15:10
